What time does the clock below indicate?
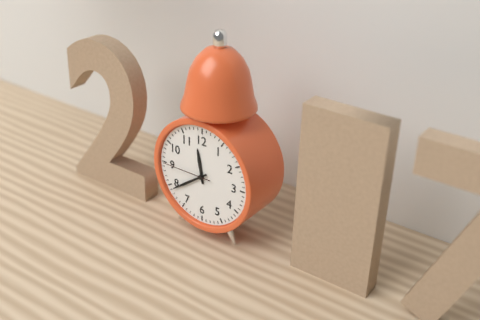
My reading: 11:39:45
